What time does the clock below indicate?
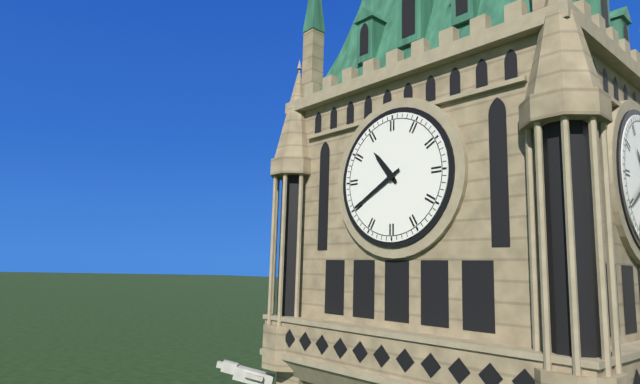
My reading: 10:40
